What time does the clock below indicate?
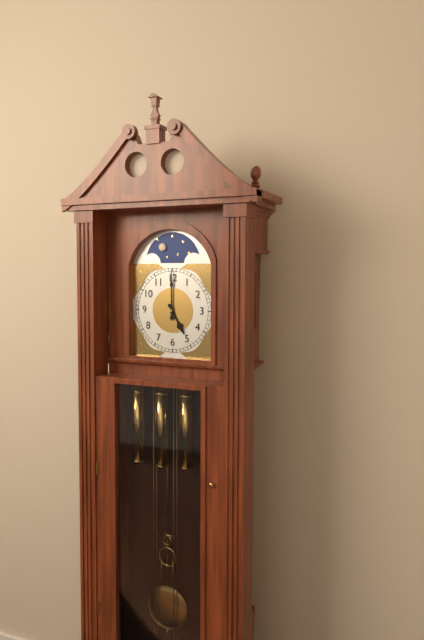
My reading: 5:00
